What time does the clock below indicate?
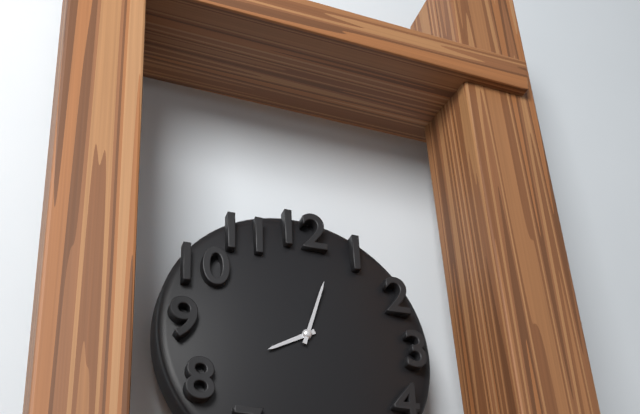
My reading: 8:03
